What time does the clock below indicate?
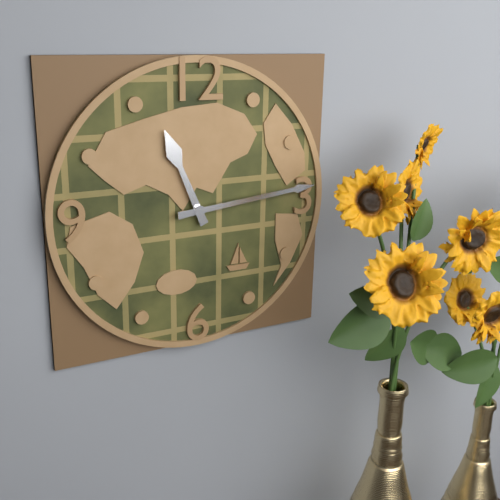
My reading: 11:14
